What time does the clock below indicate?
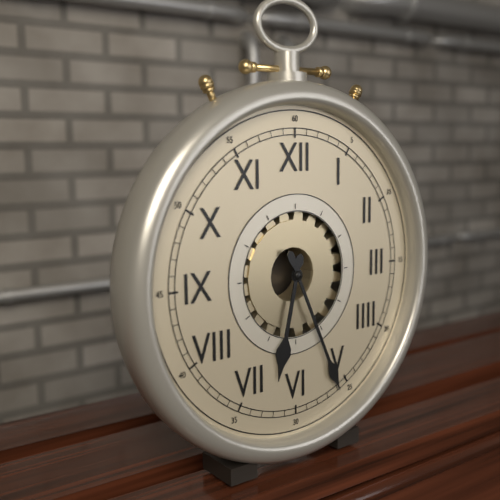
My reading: 6:26
